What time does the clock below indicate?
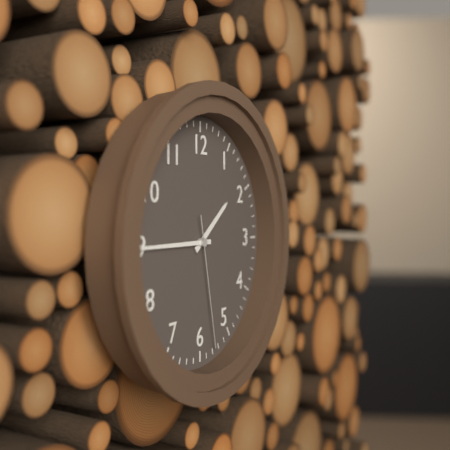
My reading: 1:45:28
